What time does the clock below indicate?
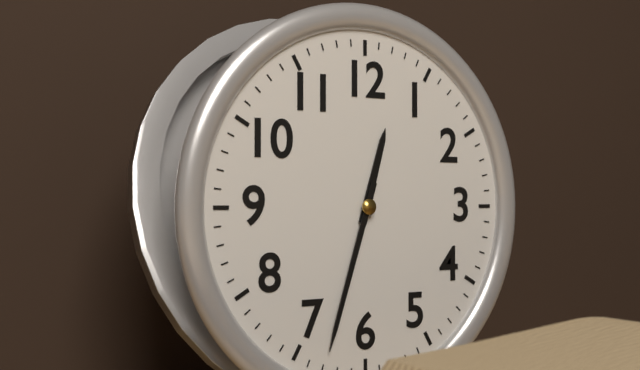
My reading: 12:33
